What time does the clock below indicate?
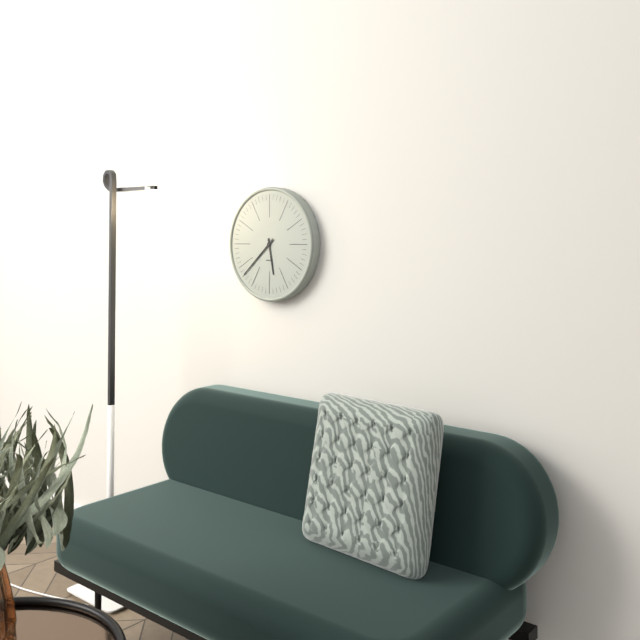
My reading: 5:38
